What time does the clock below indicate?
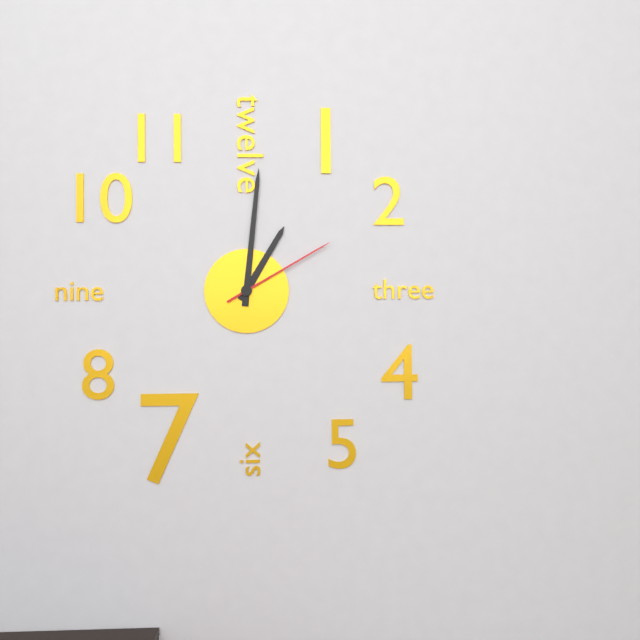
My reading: 1:01:10
